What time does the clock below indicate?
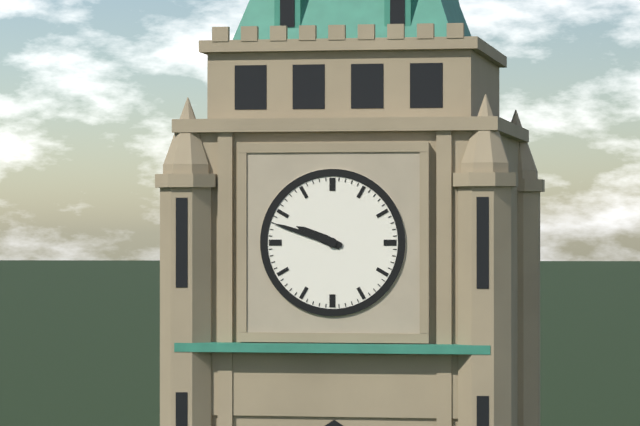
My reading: 9:48
